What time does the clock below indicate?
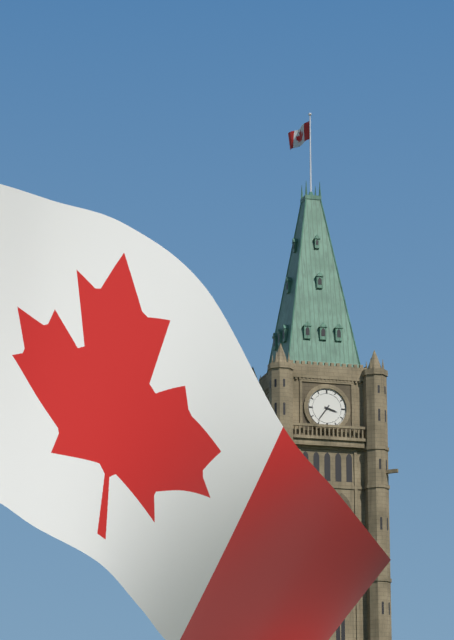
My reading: 3:36
